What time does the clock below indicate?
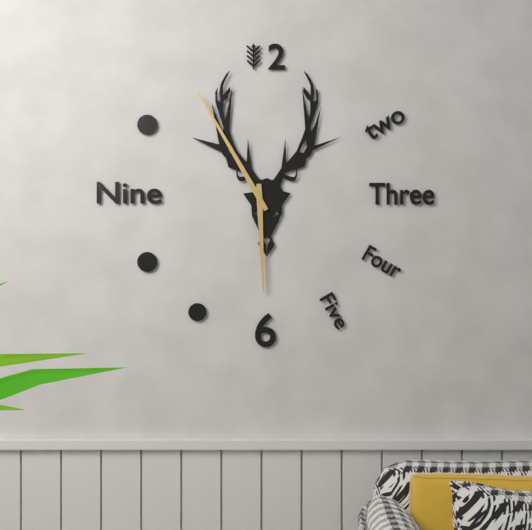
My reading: 5:55
